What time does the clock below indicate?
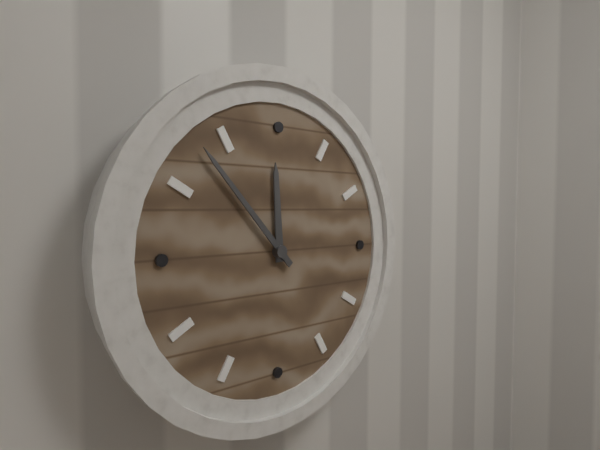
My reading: 11:53
